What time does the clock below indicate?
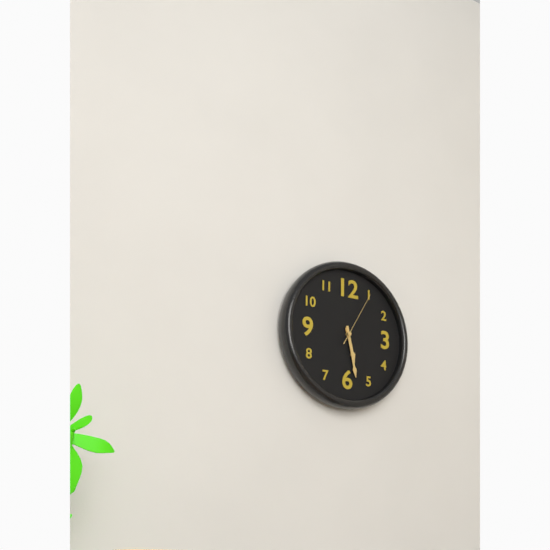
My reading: 5:28:05
